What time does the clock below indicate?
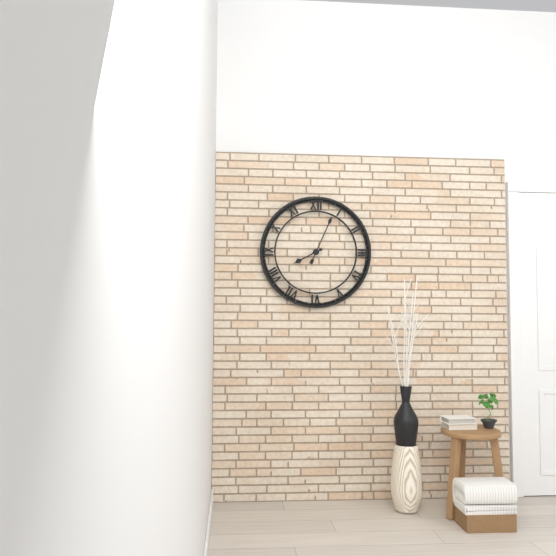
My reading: 8:04
